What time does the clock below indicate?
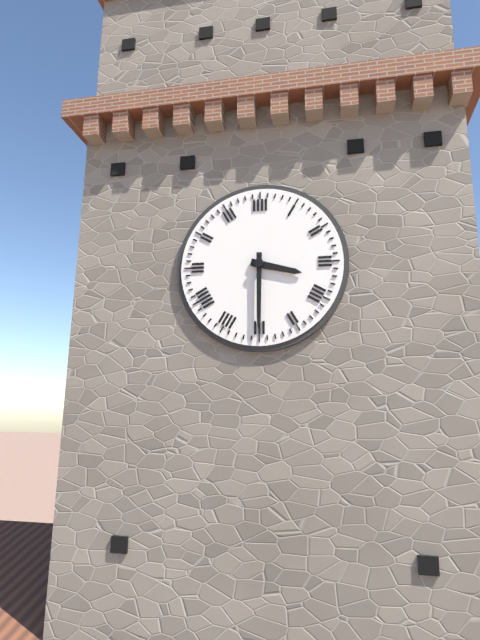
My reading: 3:30
